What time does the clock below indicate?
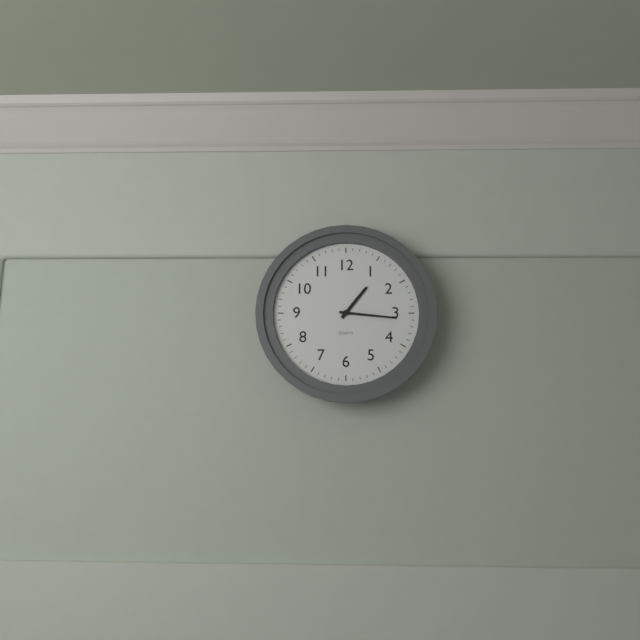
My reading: 1:16
